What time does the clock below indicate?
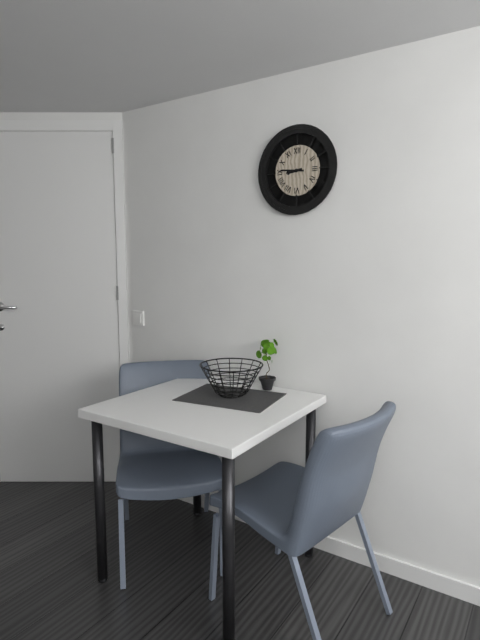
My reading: 8:46
